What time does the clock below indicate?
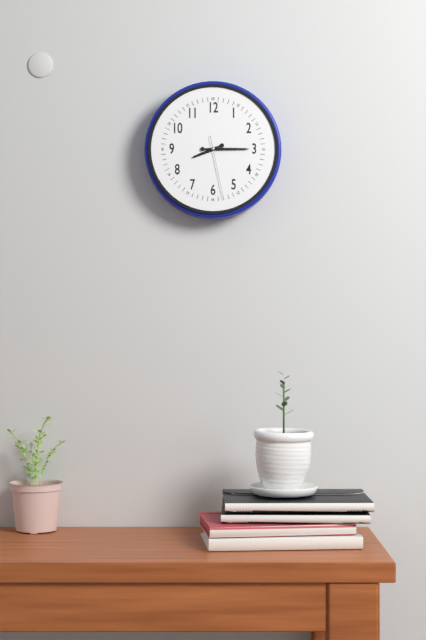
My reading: 8:15:28
